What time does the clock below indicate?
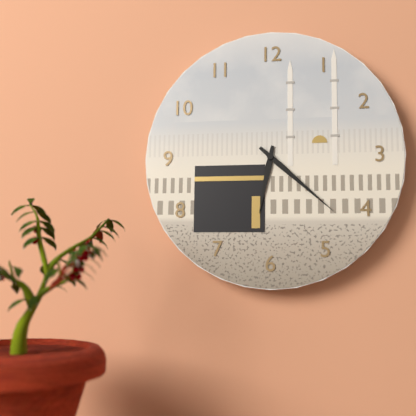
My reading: 6:22
